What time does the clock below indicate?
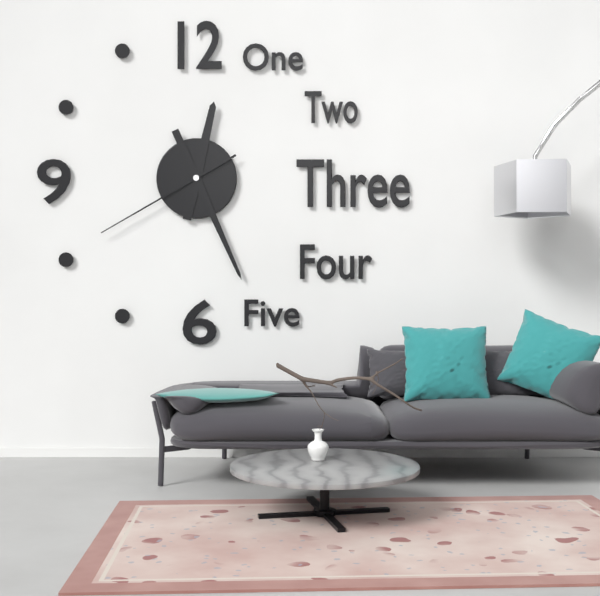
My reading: 12:26:40
